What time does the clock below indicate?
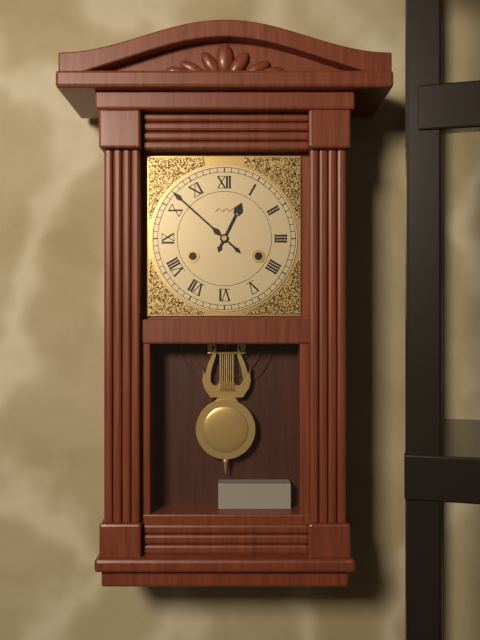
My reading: 12:52
